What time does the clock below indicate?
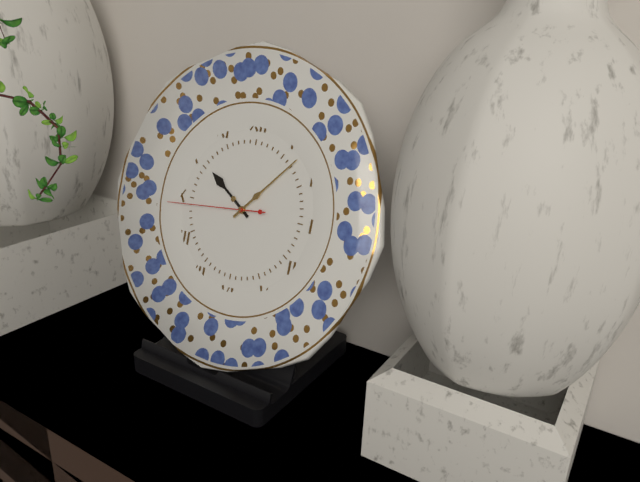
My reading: 10:07:44
